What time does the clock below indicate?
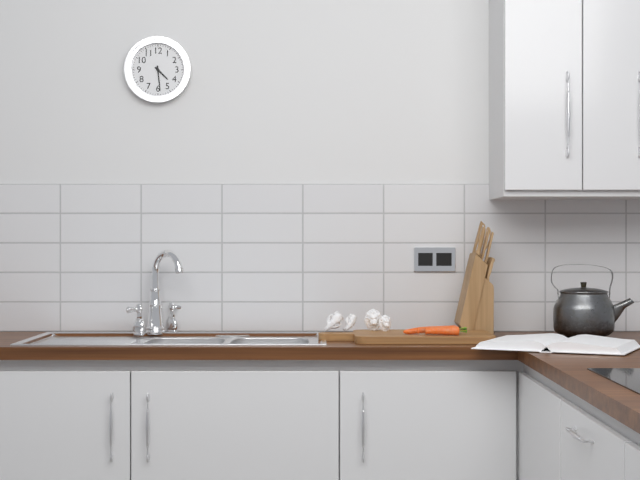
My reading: 4:29
